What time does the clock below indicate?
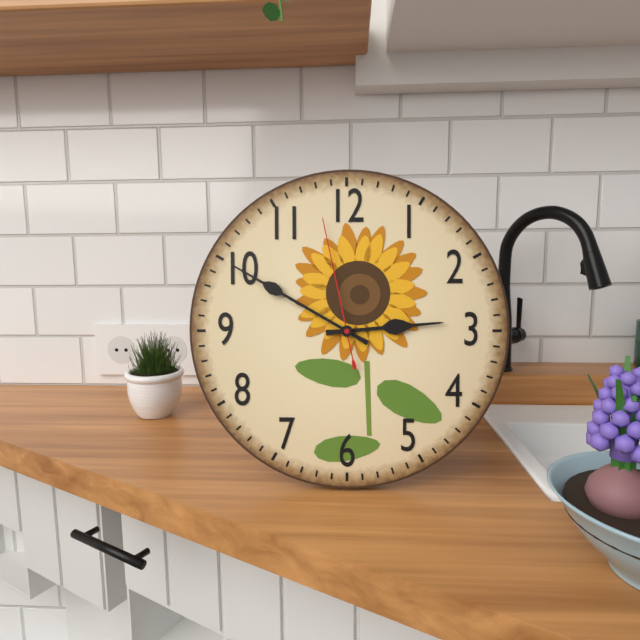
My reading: 2:50:58
